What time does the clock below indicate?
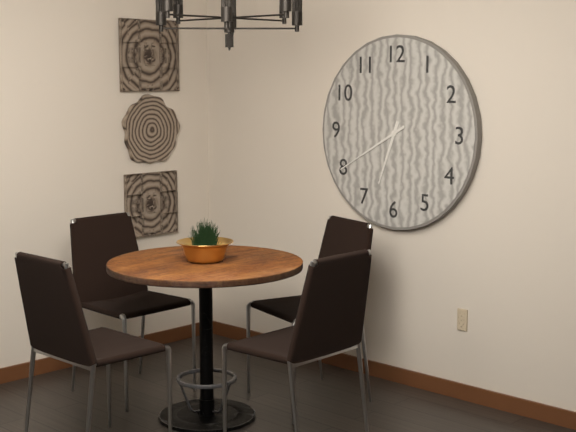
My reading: 6:40
